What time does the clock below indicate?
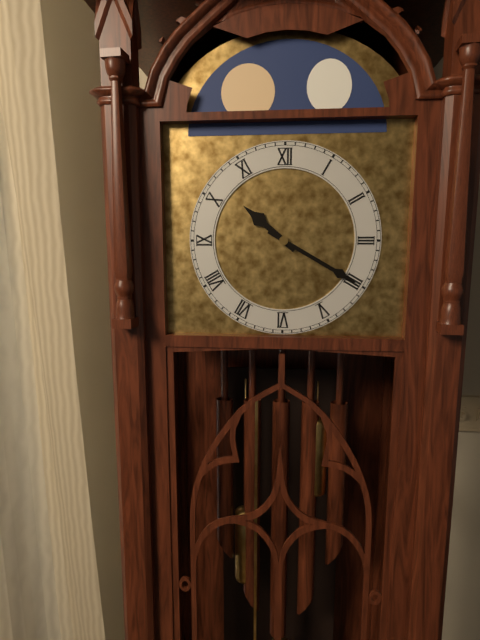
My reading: 10:20
